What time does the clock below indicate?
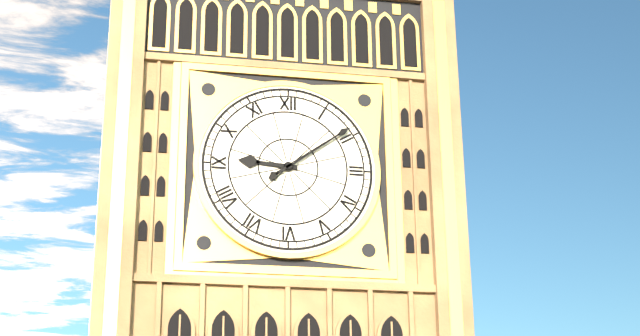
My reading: 9:09
